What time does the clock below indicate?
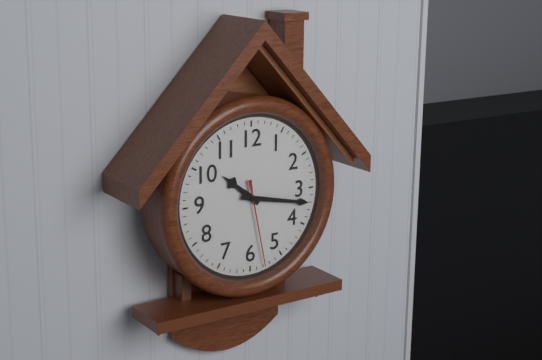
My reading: 10:17:28
